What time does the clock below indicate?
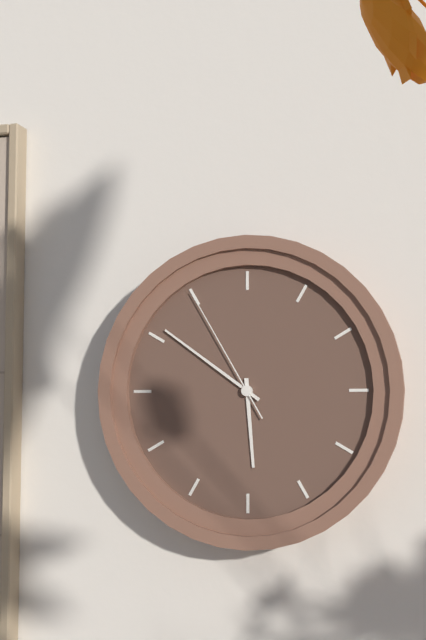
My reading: 5:51:55
